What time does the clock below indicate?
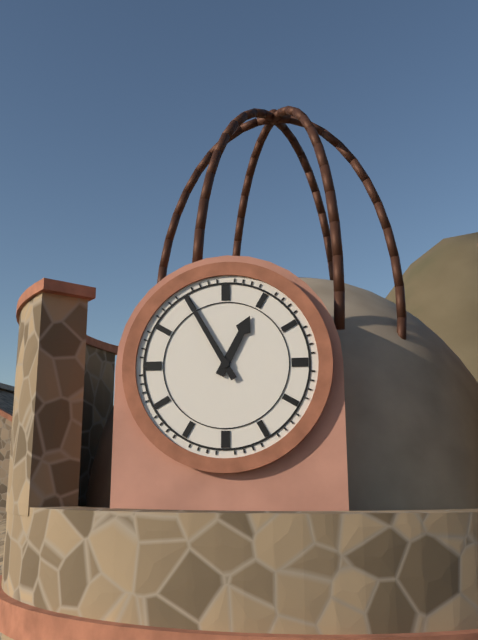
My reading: 12:55
